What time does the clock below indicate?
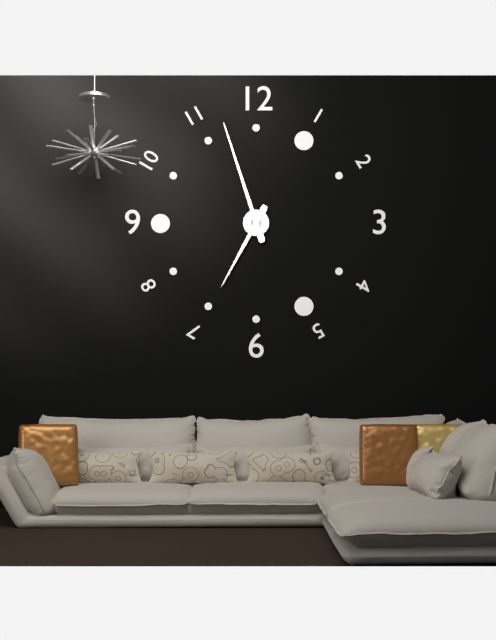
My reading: 6:57
